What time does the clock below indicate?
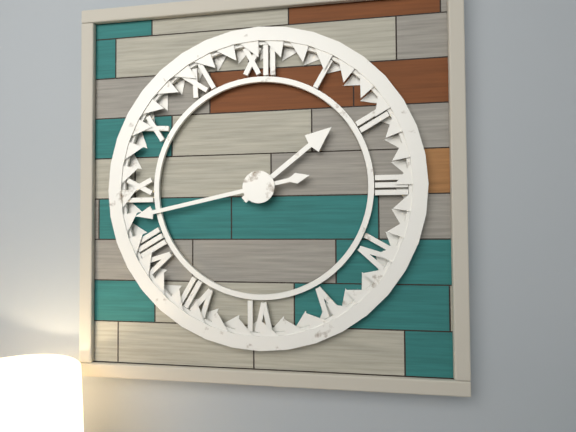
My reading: 1:43
